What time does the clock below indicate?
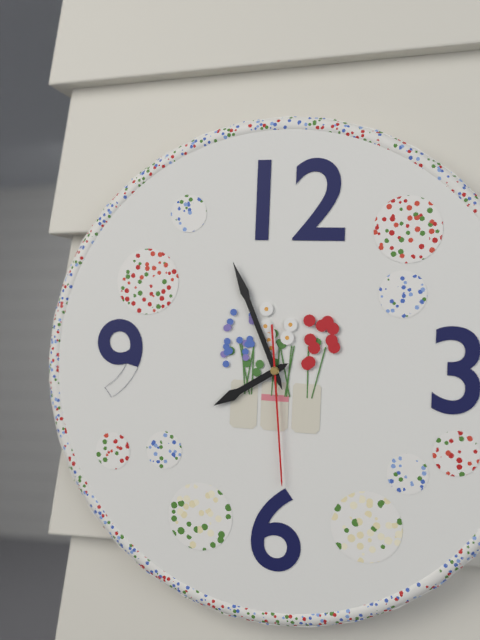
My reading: 7:56:29
